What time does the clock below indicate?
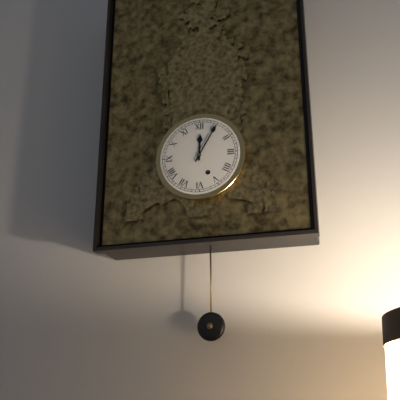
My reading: 12:05
